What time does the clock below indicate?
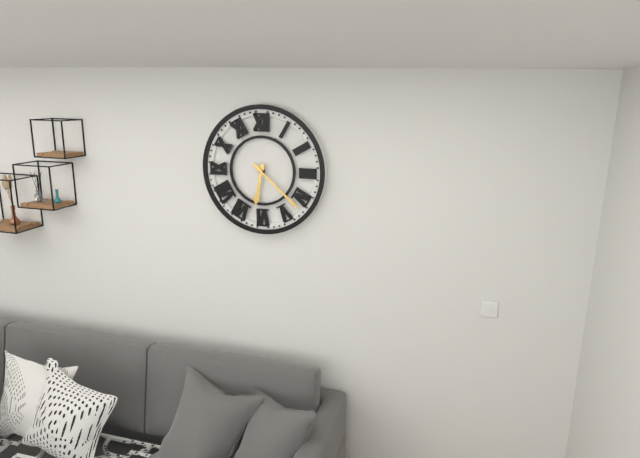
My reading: 6:22
